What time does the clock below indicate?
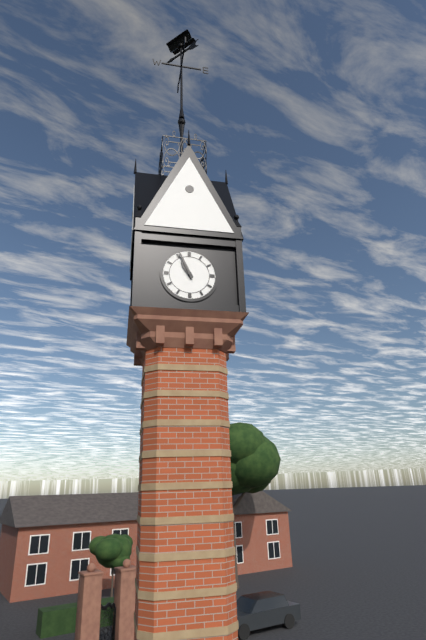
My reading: 10:56
